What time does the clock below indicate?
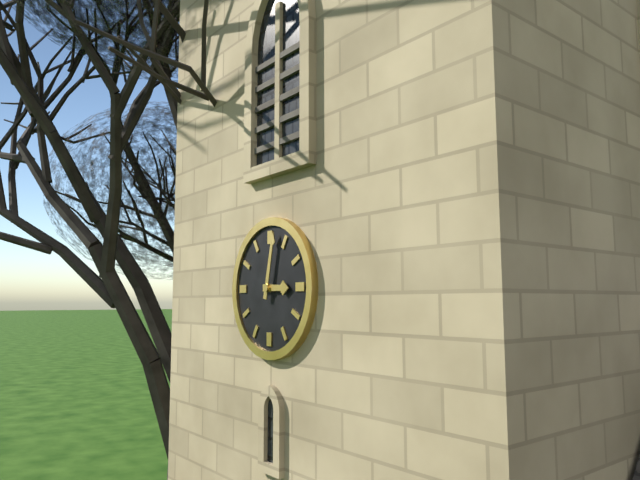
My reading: 3:02
